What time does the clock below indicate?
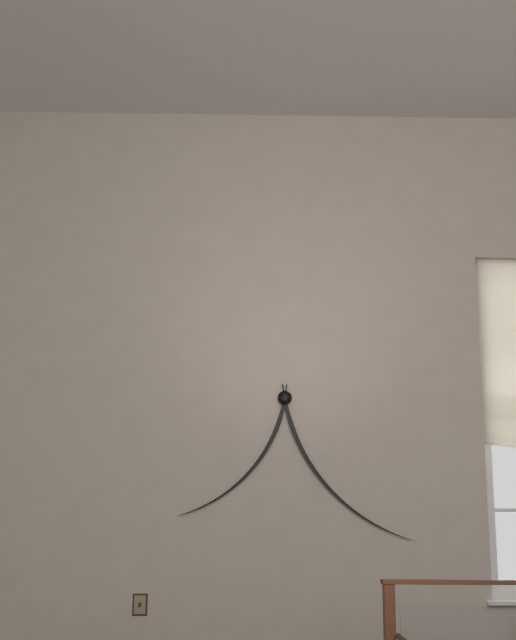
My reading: 7:23
